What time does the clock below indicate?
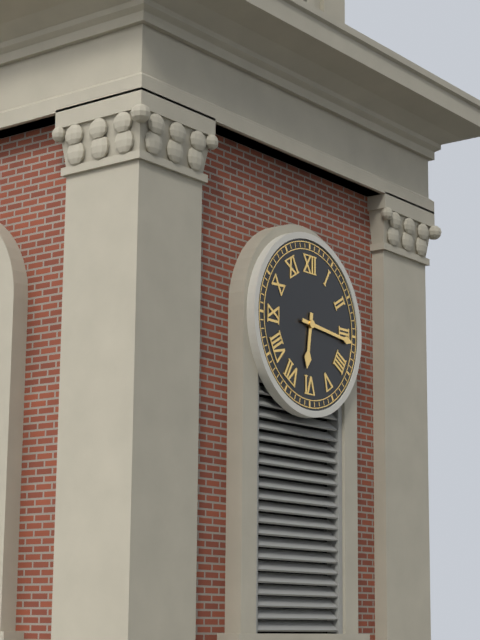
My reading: 6:16
